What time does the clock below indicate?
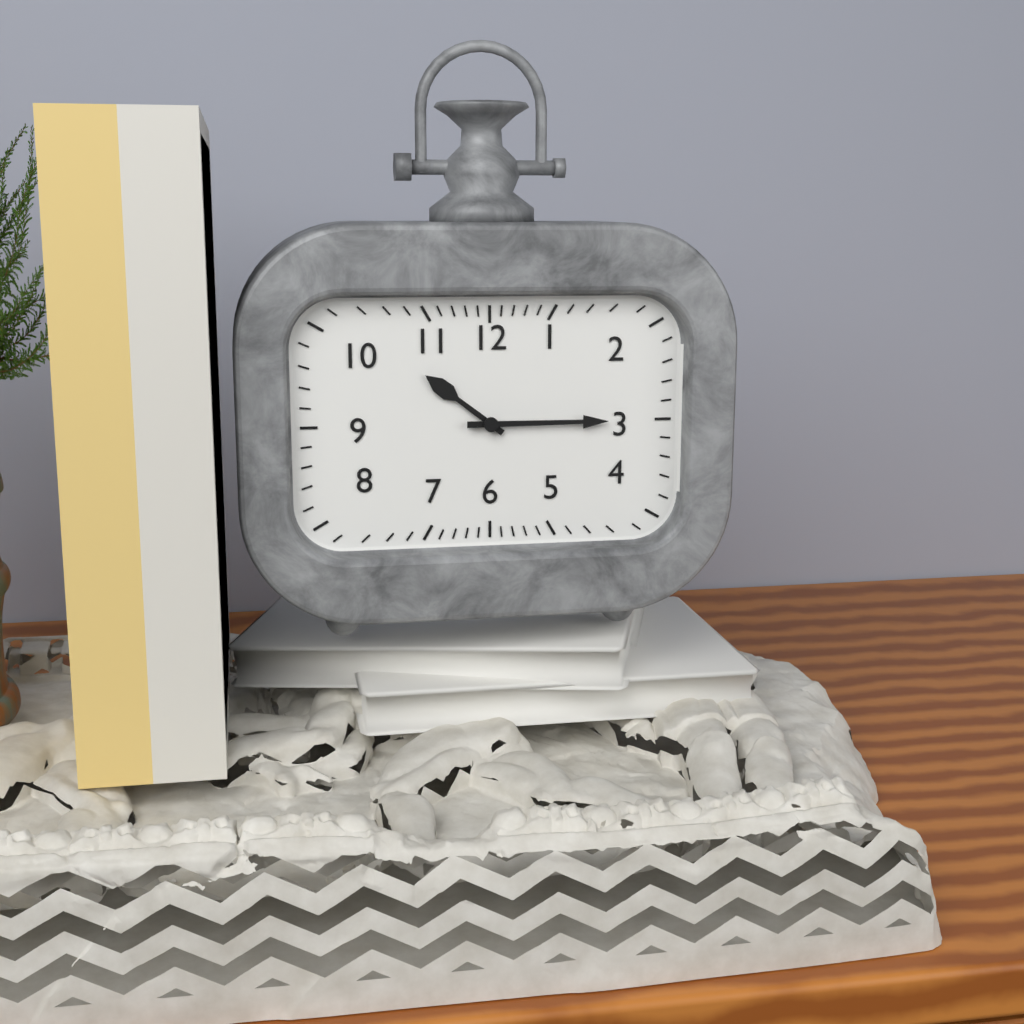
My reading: 10:15
